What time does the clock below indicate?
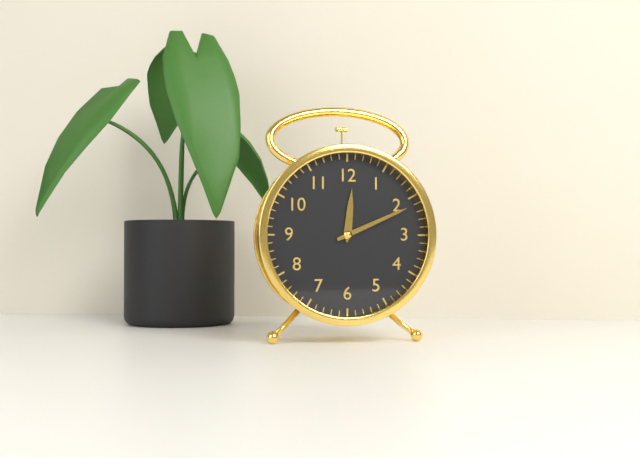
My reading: 12:11
